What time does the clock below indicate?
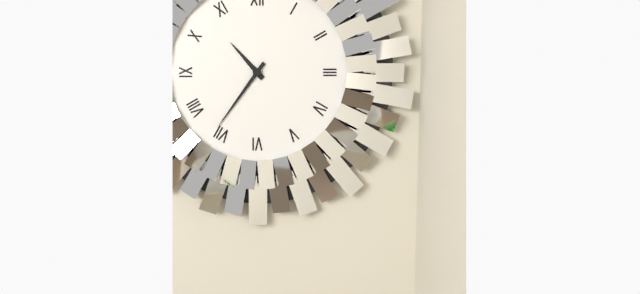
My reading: 10:36
